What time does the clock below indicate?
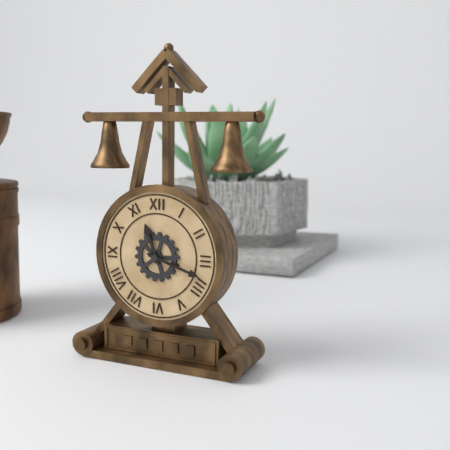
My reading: 11:18
